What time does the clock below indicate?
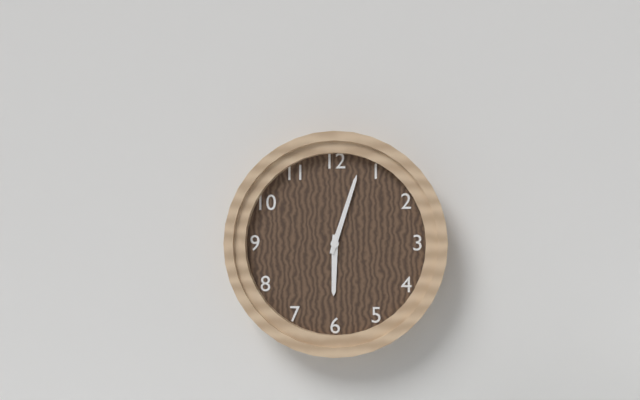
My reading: 6:03
